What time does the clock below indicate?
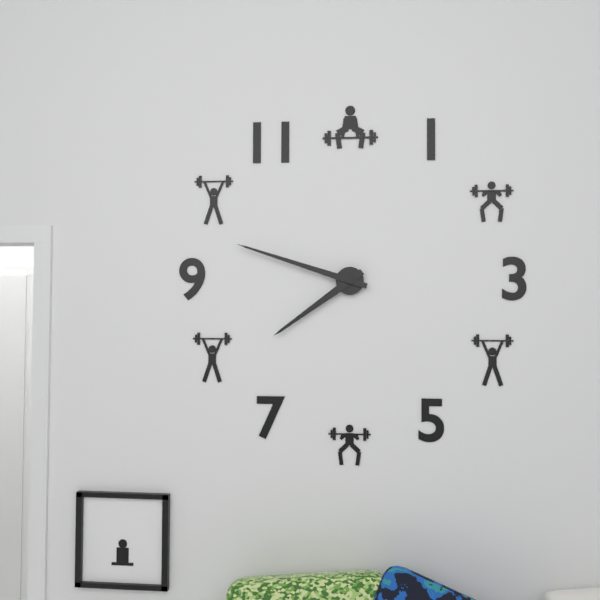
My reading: 7:48
